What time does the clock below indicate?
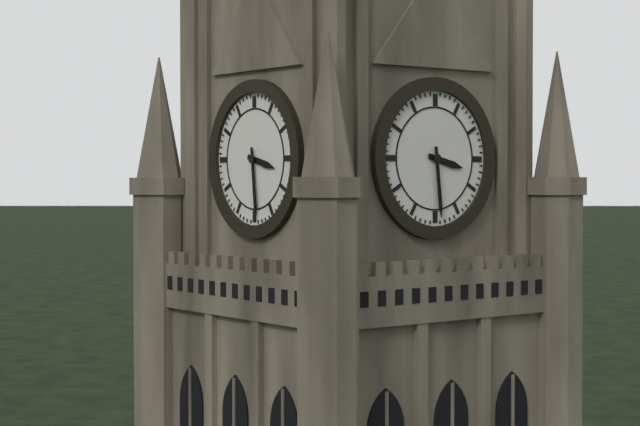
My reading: 3:29
